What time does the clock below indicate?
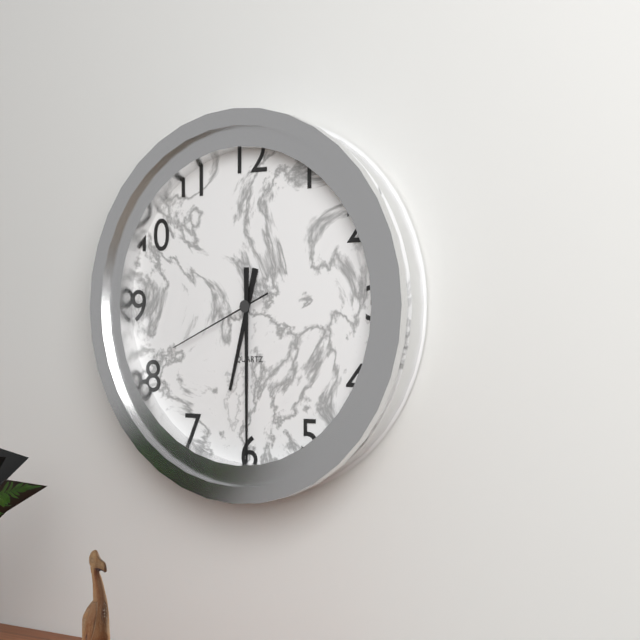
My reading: 6:30:41
